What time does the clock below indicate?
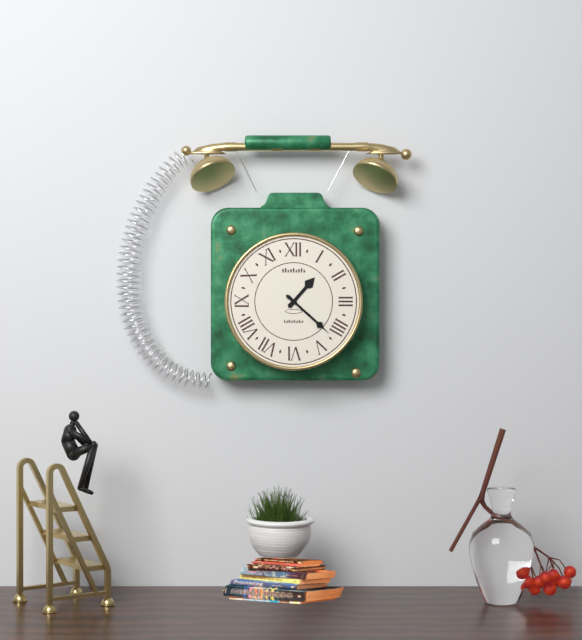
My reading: 1:22
